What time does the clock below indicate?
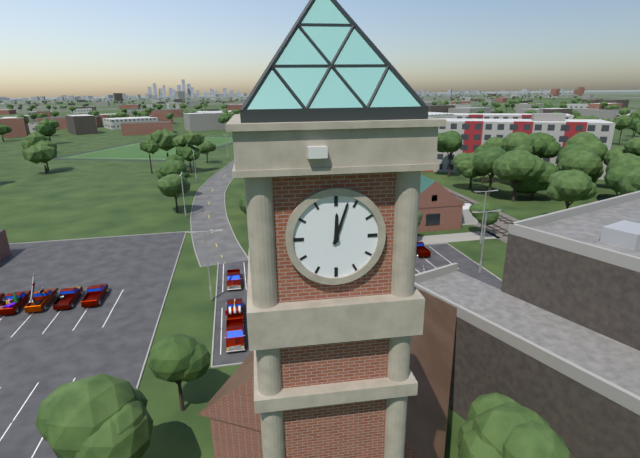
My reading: 12:03
